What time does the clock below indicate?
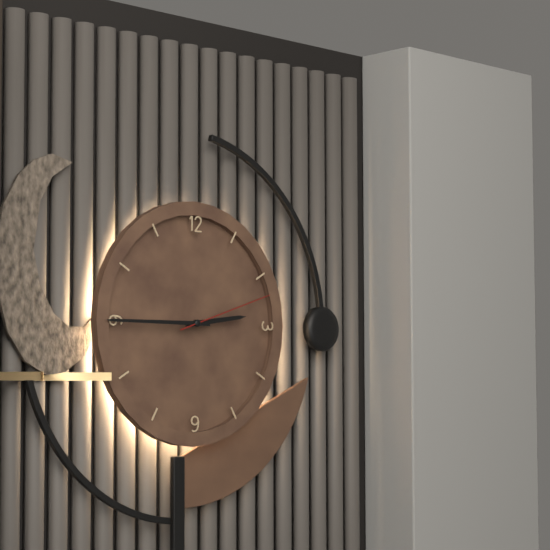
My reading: 2:45:12
